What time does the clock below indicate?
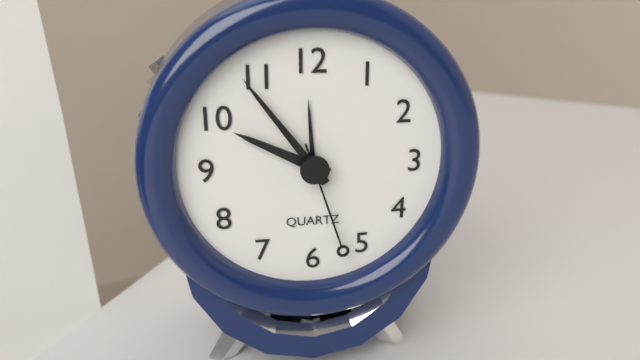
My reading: 9:54:27
